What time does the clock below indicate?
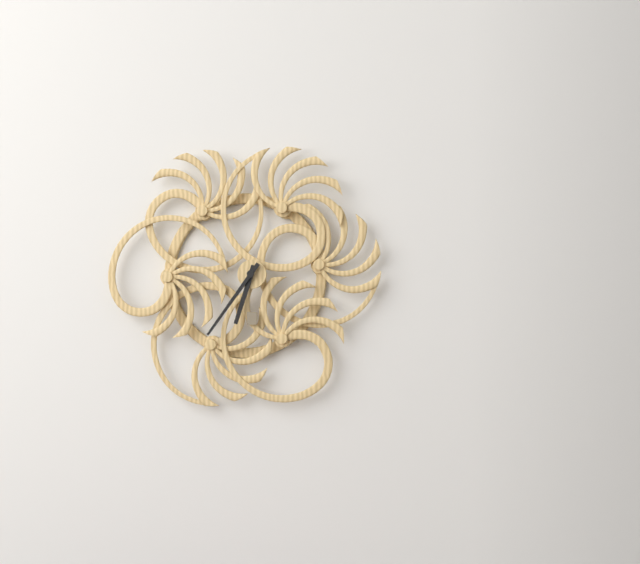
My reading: 6:36
